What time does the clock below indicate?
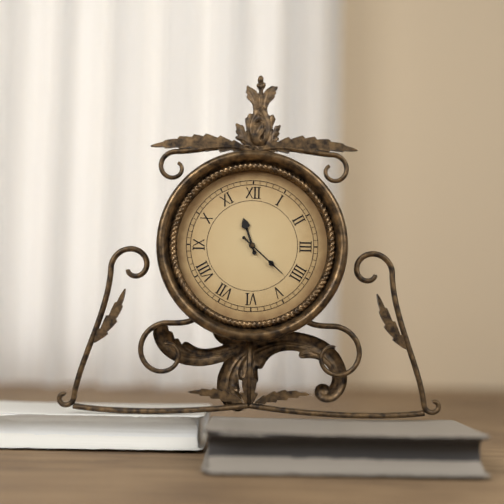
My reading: 11:22
